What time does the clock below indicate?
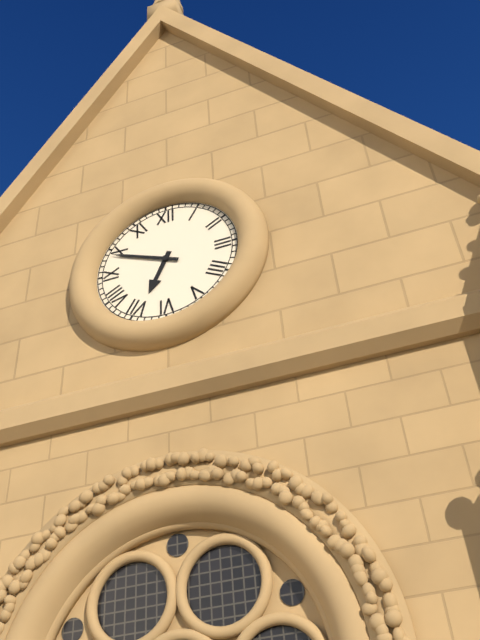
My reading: 6:49
